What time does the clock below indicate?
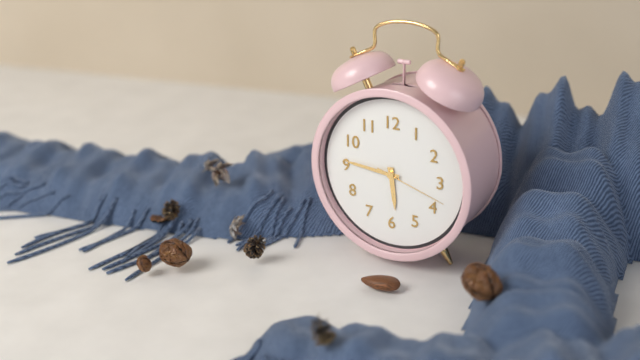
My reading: 5:46:18
